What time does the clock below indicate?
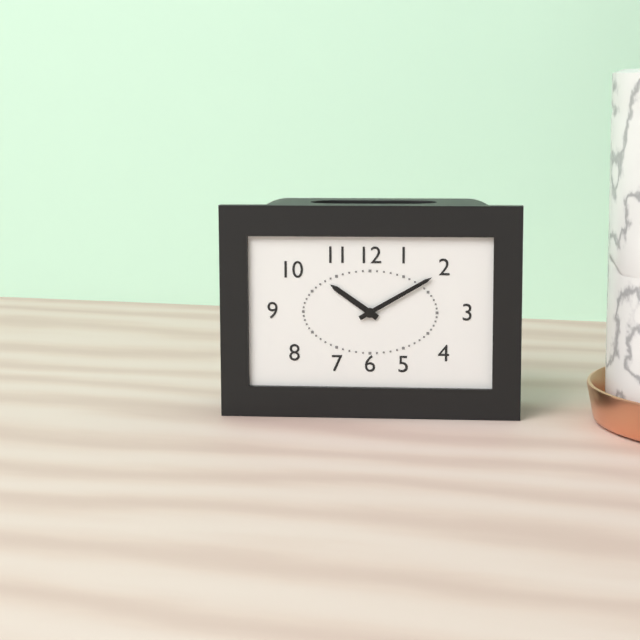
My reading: 10:10
